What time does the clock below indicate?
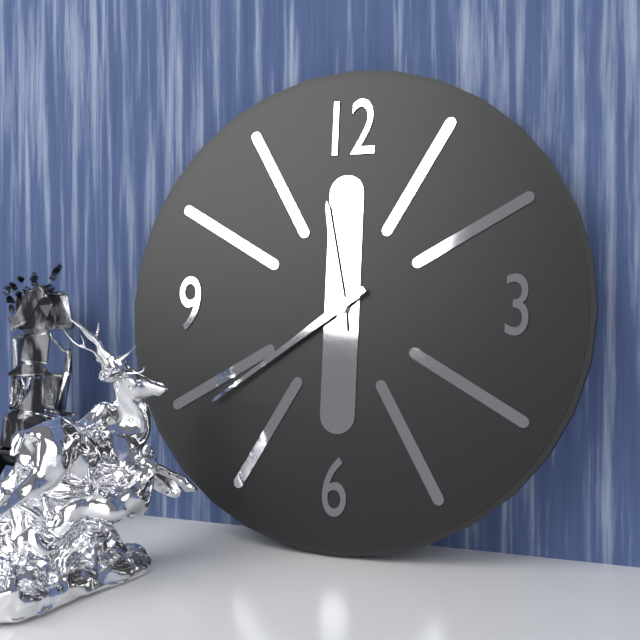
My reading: 11:39
